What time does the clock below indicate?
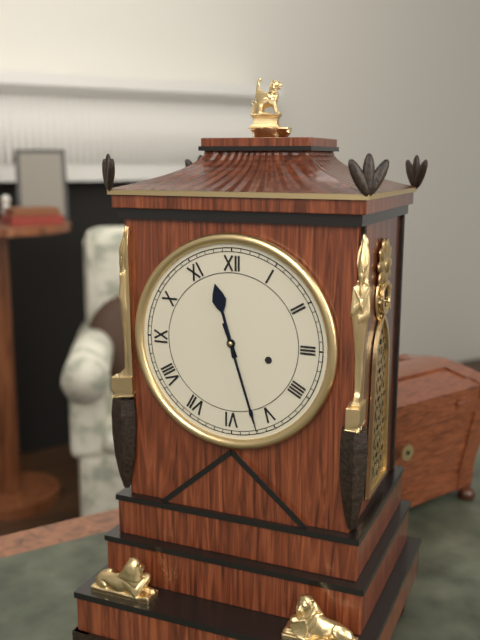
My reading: 11:27
